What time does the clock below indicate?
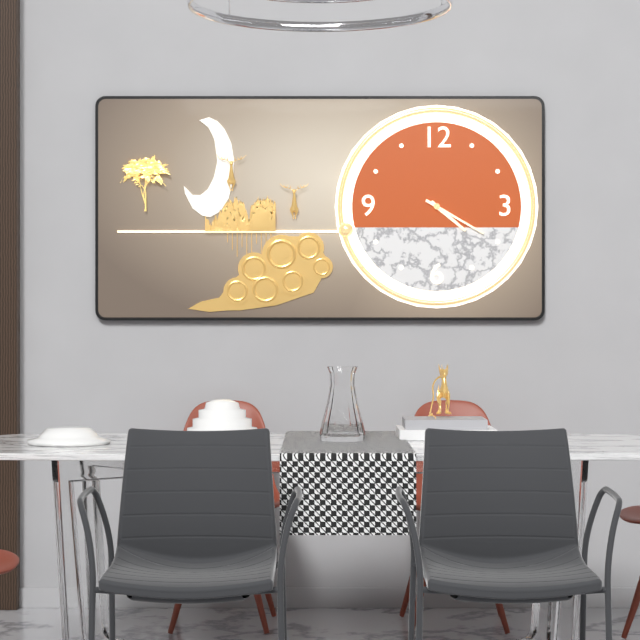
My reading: 4:20
